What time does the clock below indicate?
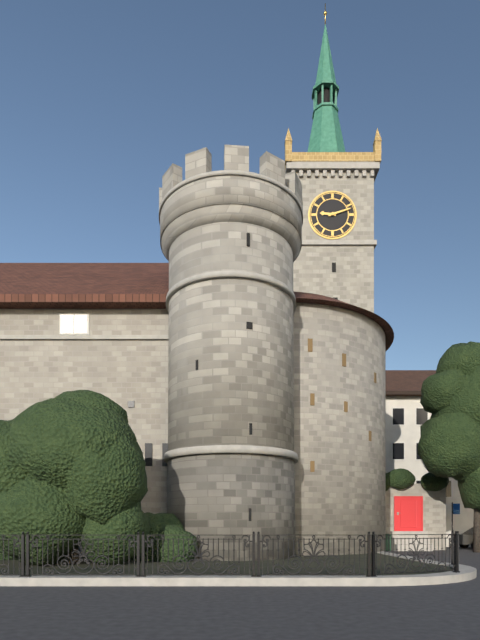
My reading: 9:12
